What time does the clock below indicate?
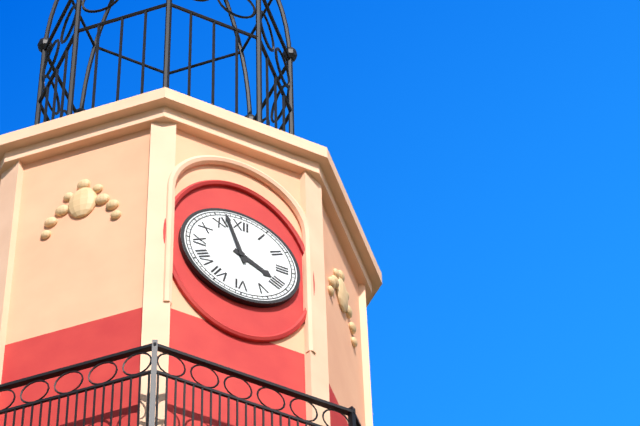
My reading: 3:57
